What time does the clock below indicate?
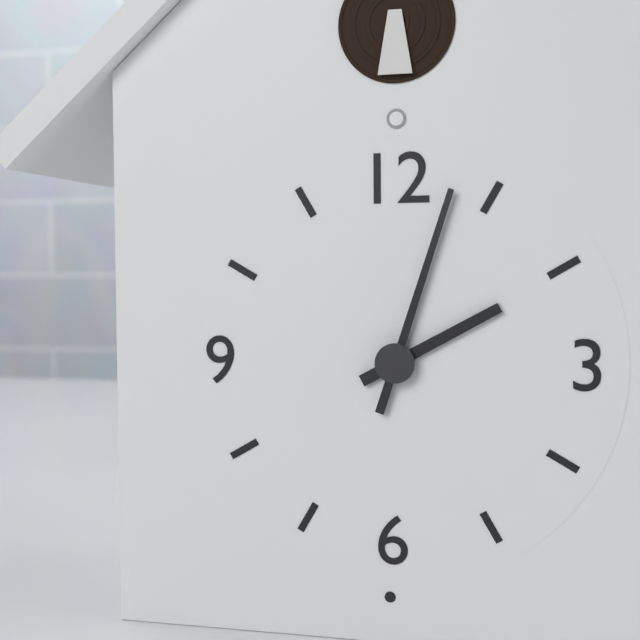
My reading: 2:03
